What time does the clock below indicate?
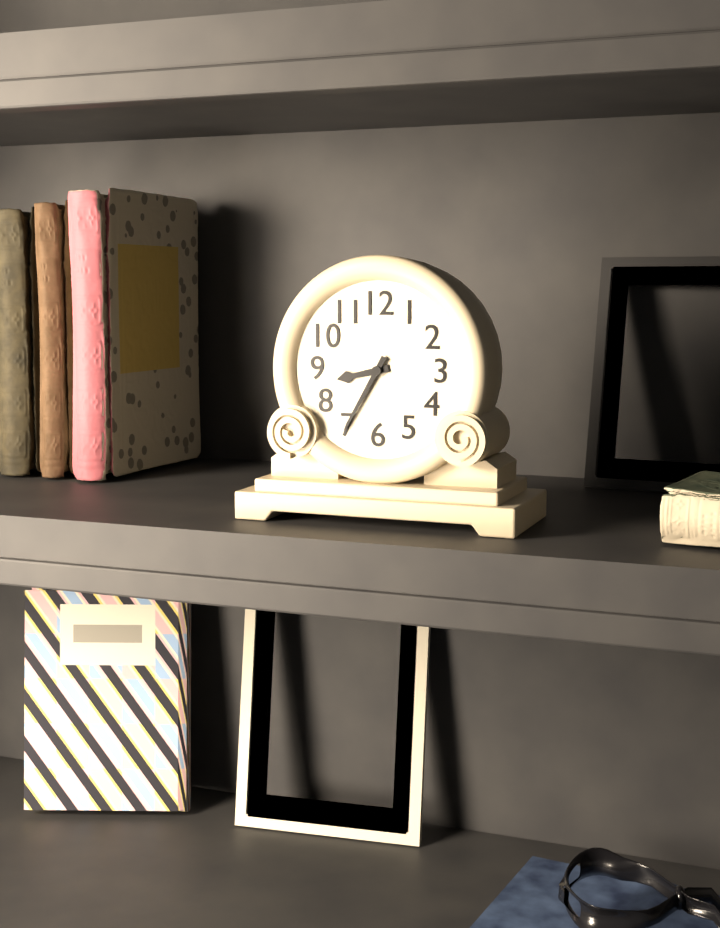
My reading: 8:35
